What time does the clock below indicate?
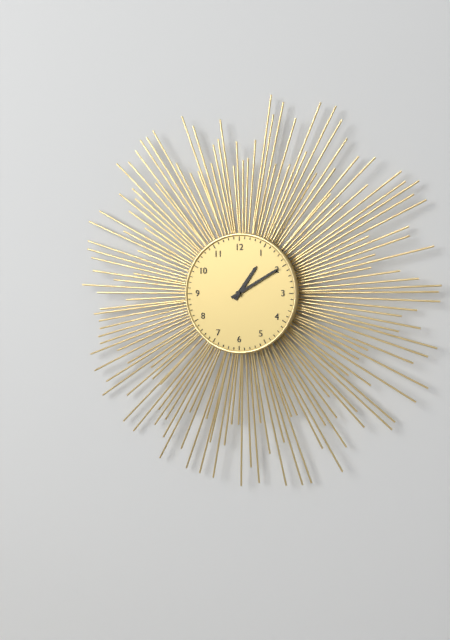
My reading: 1:10
